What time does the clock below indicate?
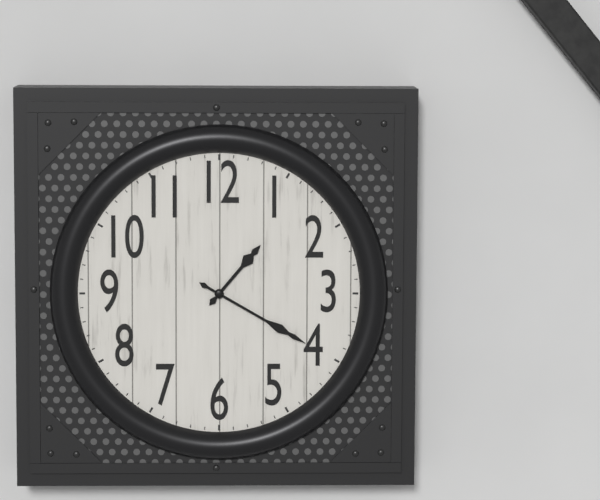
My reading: 1:20
